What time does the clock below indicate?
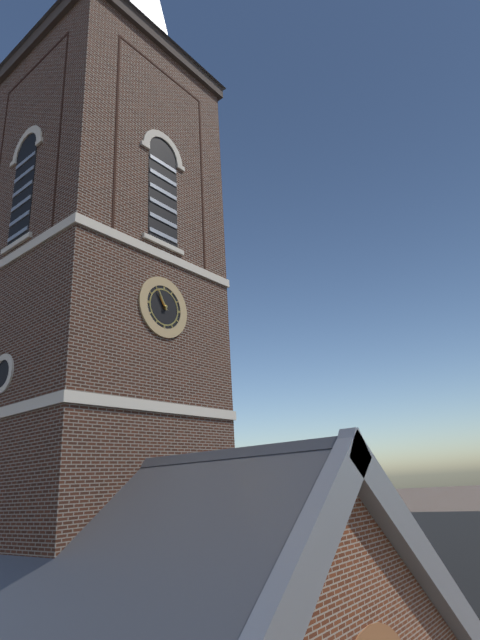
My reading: 10:55
